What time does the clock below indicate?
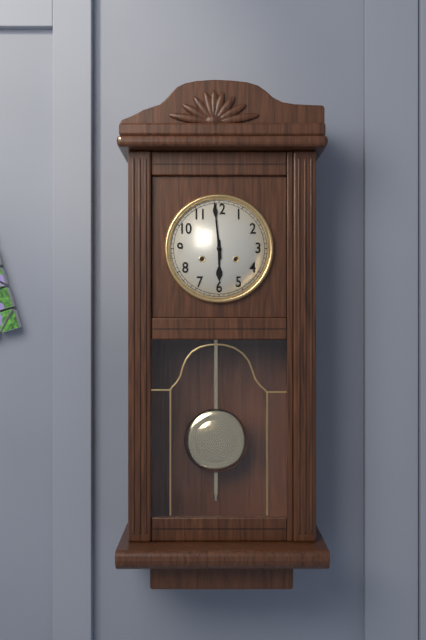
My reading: 5:59
